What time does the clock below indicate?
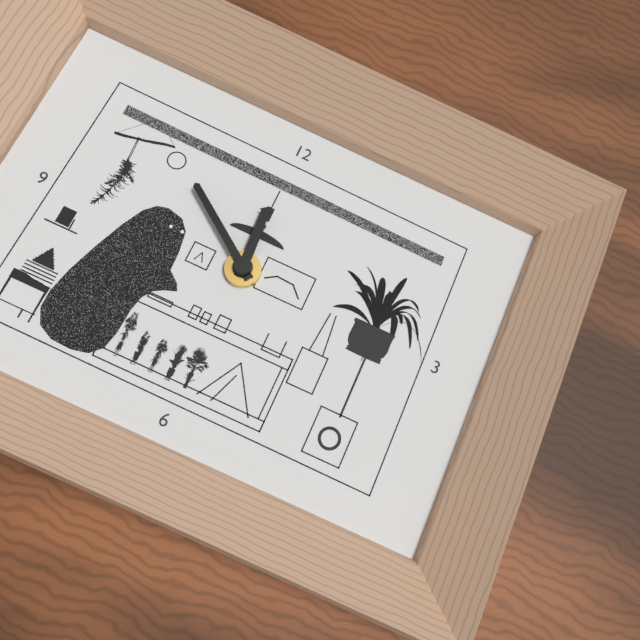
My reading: 11:51
